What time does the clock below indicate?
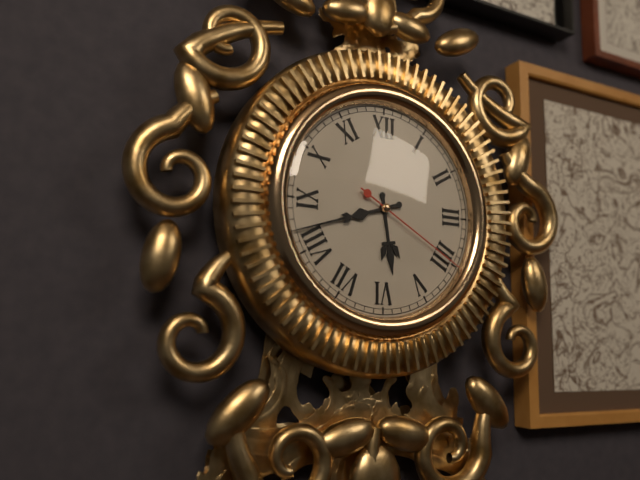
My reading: 5:42:20
